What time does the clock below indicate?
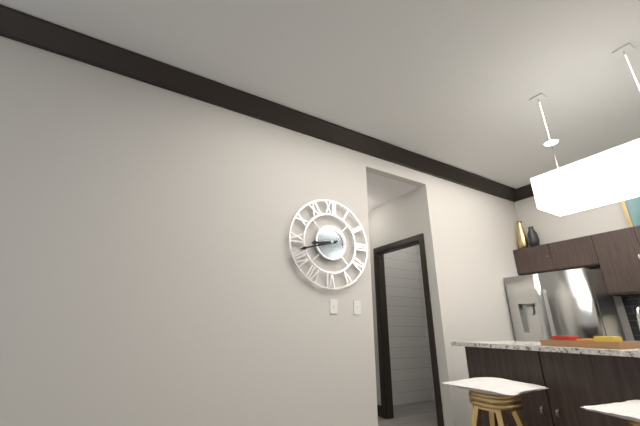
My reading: 8:42
